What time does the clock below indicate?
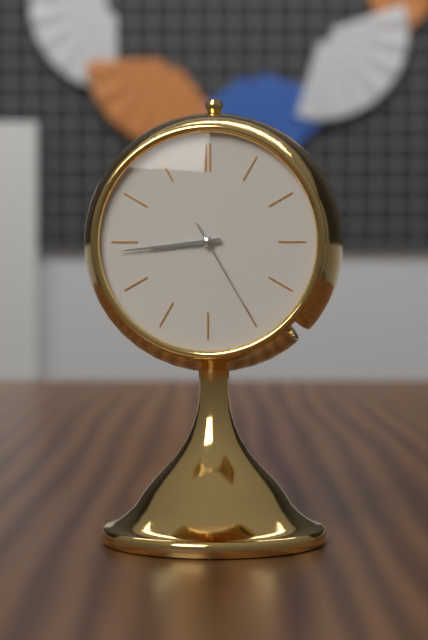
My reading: 8:44:25
